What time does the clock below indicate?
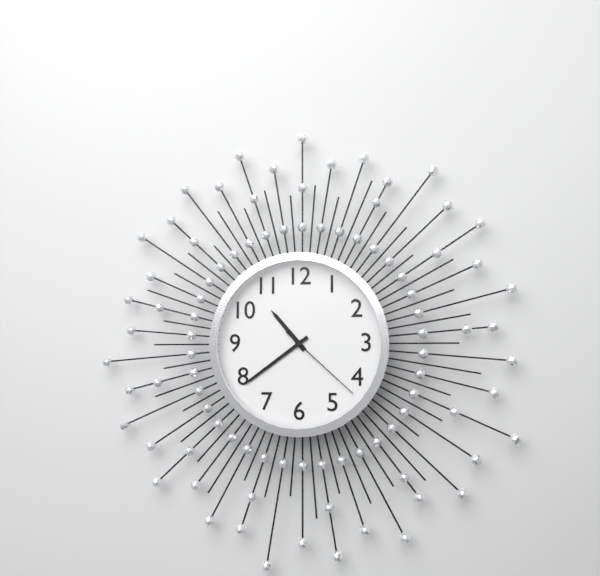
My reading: 10:39:22
